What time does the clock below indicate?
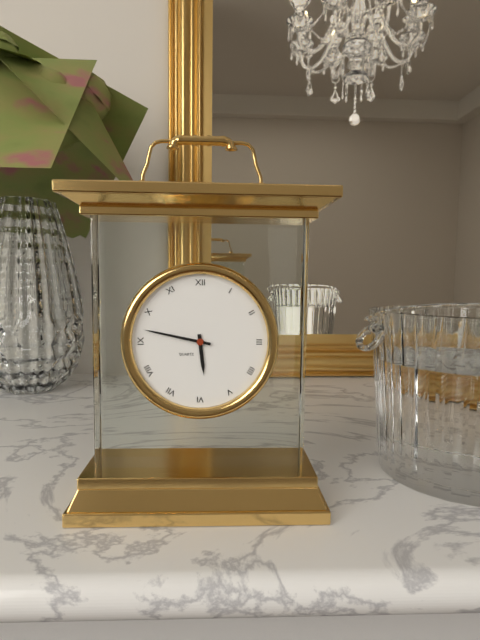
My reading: 5:47
